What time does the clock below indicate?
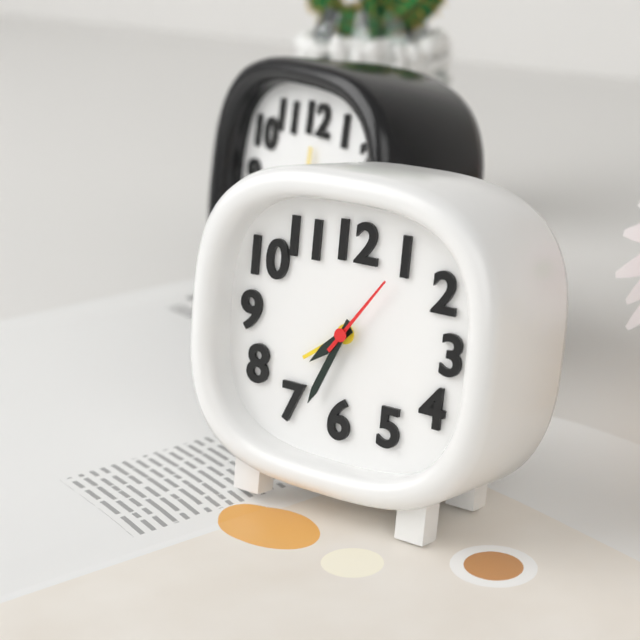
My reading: 7:34:06
